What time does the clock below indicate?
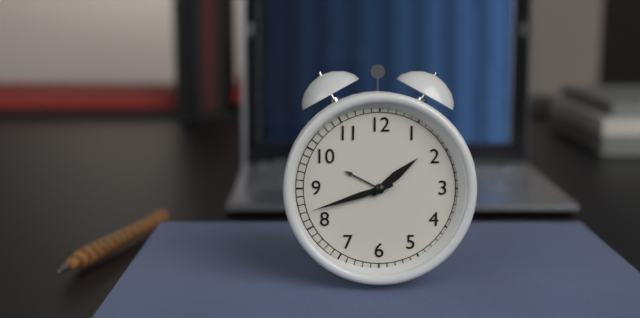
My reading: 1:42
